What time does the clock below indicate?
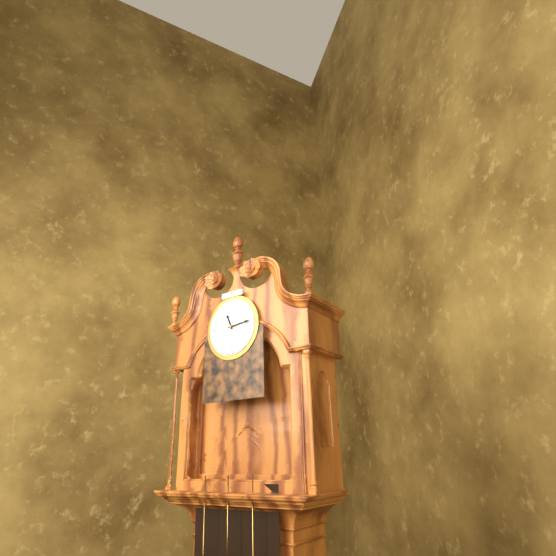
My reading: 11:14
